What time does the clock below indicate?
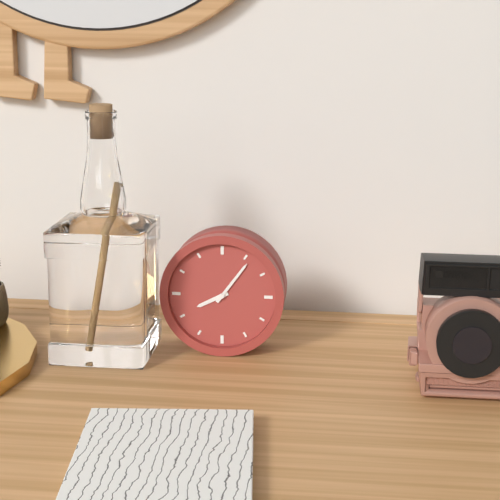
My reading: 8:06
